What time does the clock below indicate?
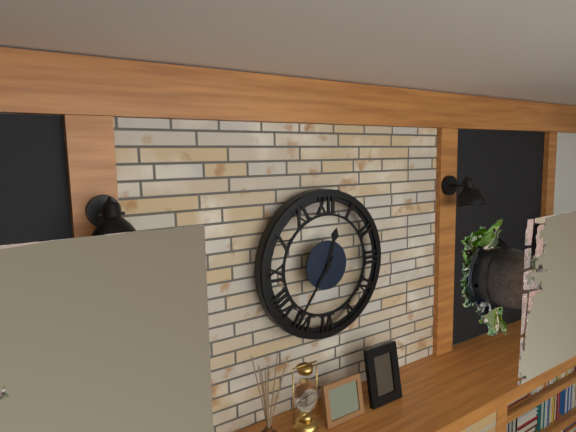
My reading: 12:36
